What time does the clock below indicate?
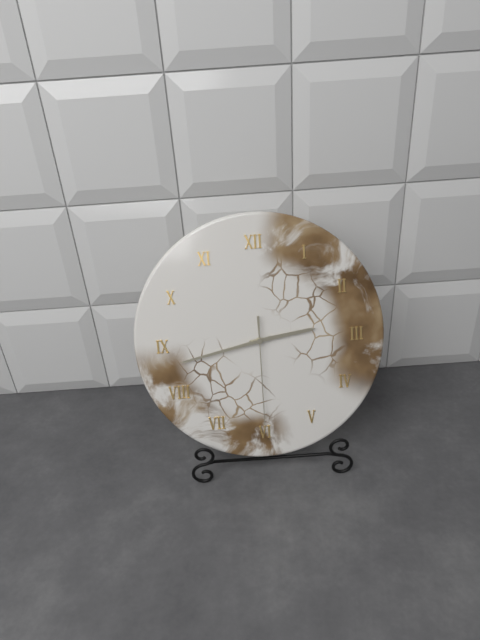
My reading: 2:43:30
